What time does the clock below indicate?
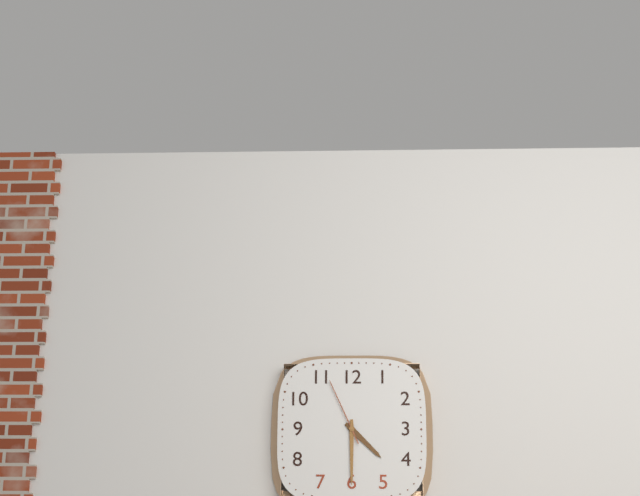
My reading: 4:30:56
